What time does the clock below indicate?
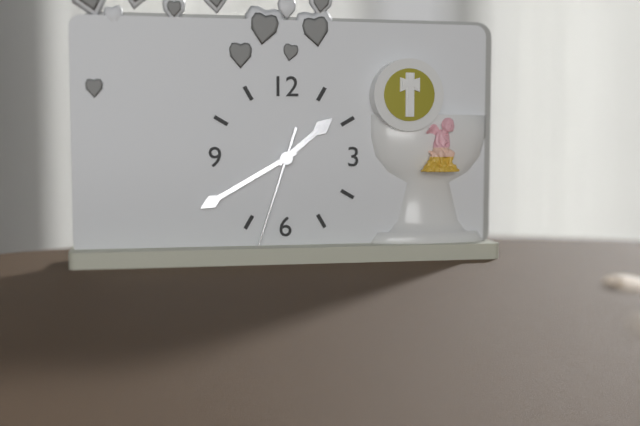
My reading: 1:40:33
